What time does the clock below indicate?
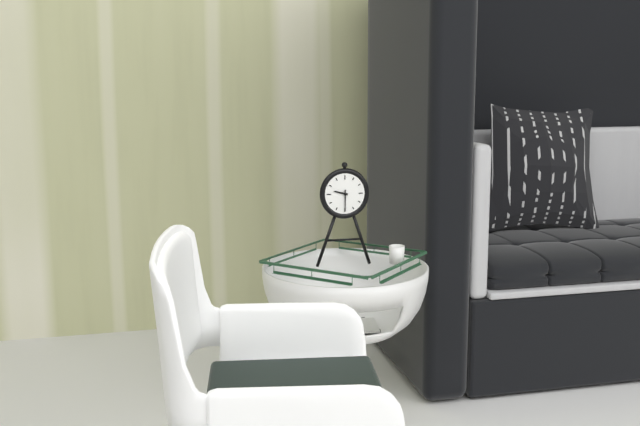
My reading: 9:30
